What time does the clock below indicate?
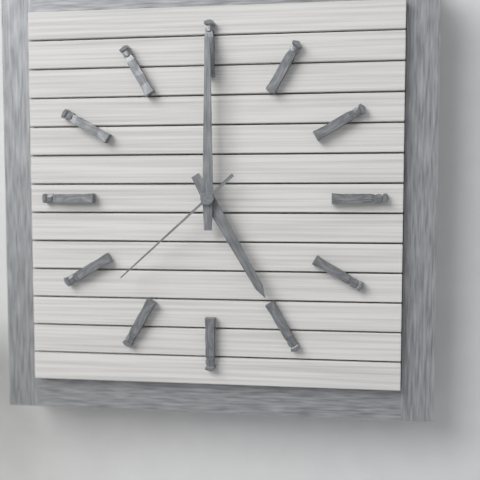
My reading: 5:00:38
